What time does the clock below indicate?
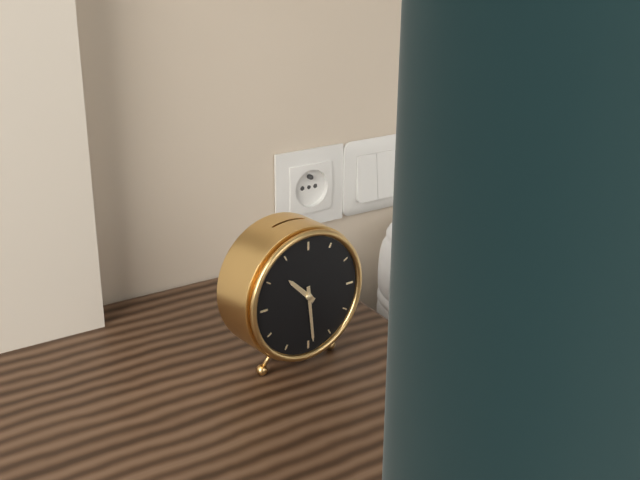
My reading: 10:29
